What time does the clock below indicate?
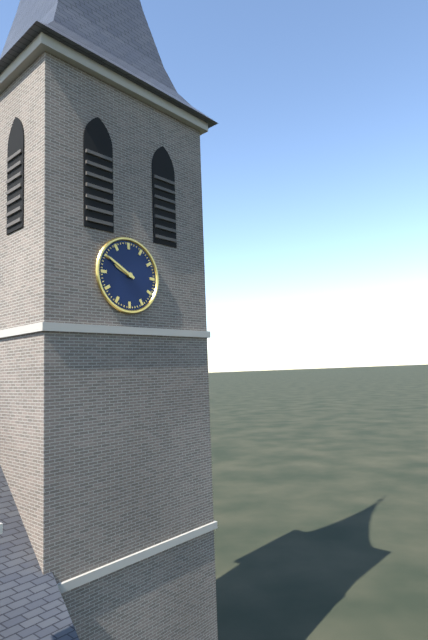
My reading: 9:50
